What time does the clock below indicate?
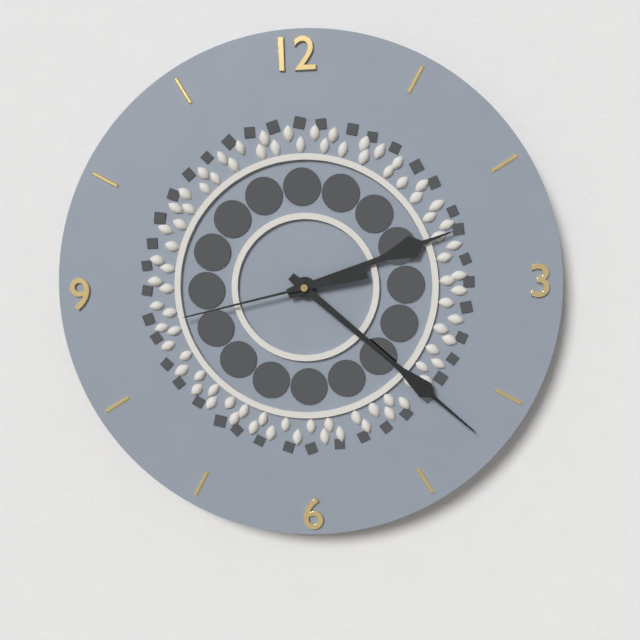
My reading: 2:22:43
